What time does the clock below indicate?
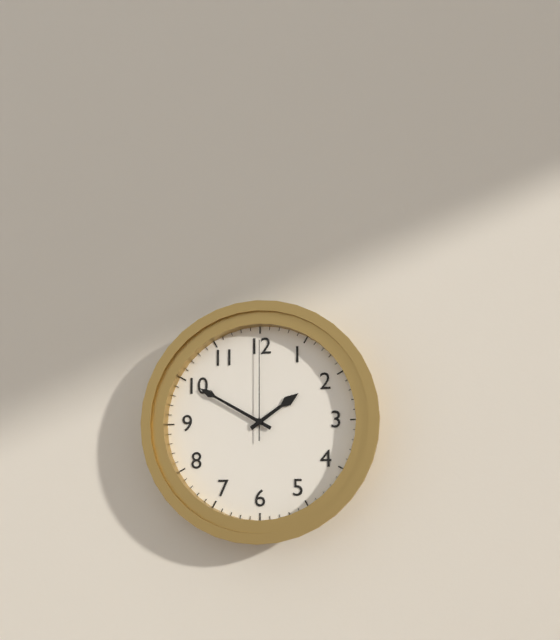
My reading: 1:50:00
